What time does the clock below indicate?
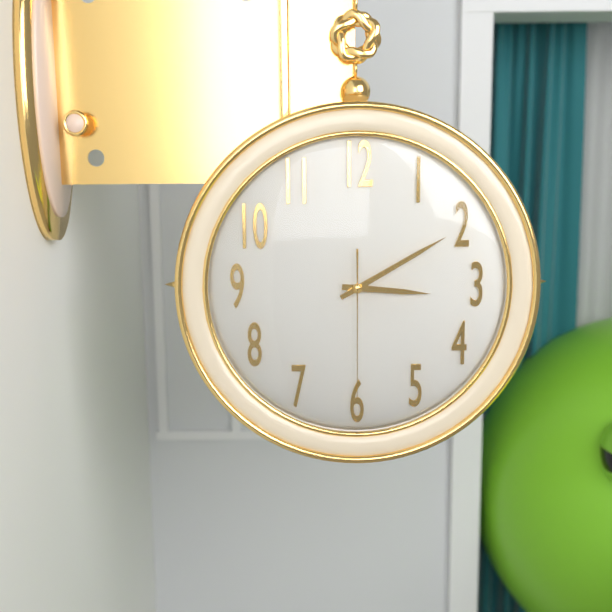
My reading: 3:10:30
